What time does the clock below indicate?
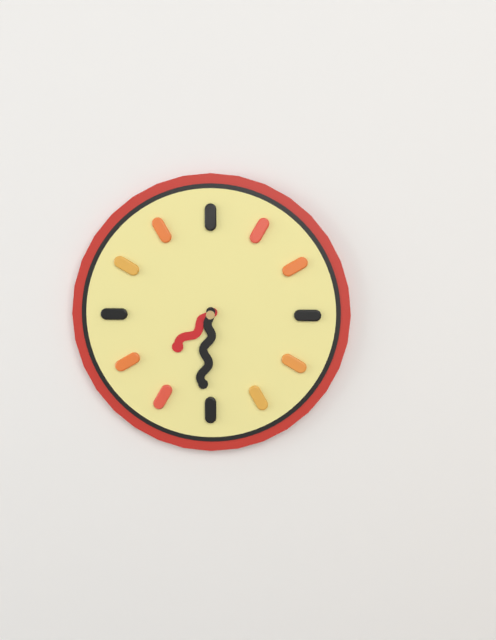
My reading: 7:31
